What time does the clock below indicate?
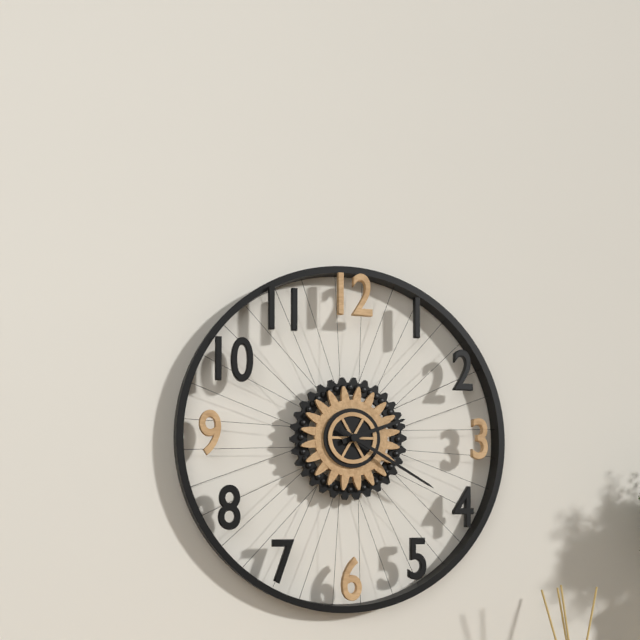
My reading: 2:20
